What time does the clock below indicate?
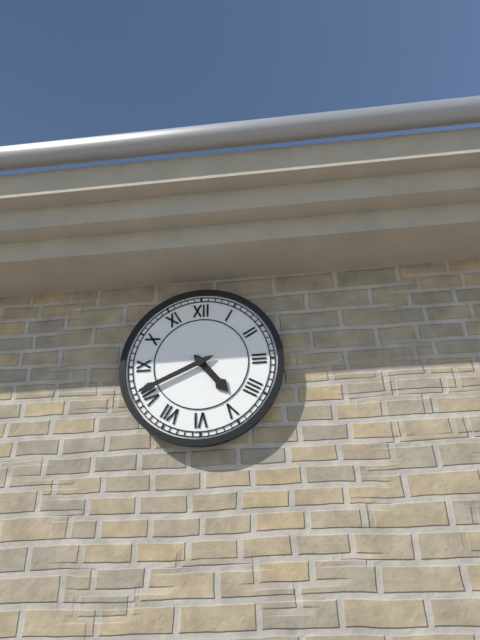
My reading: 4:41
